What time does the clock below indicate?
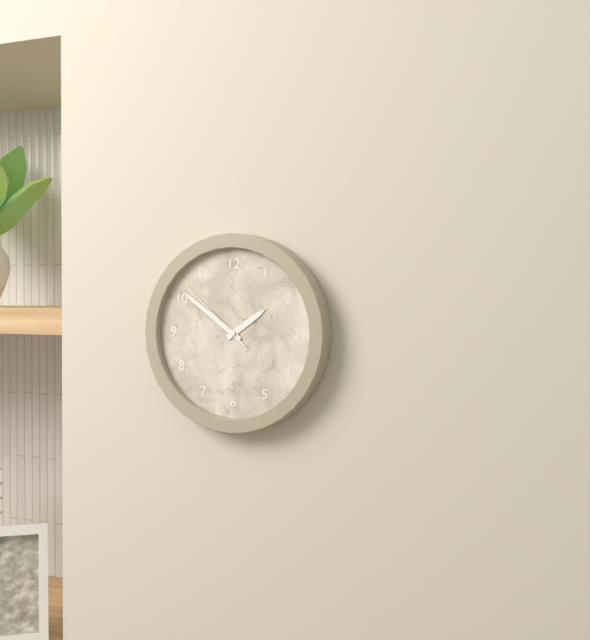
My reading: 1:51:52
